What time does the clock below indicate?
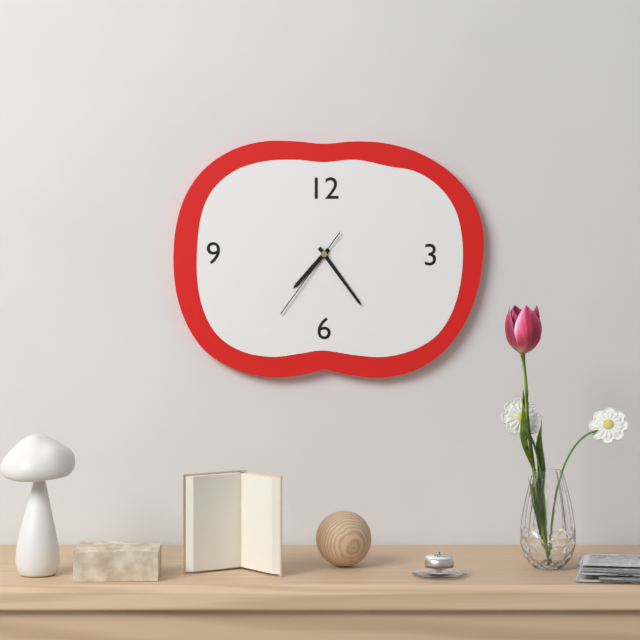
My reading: 7:24:36
